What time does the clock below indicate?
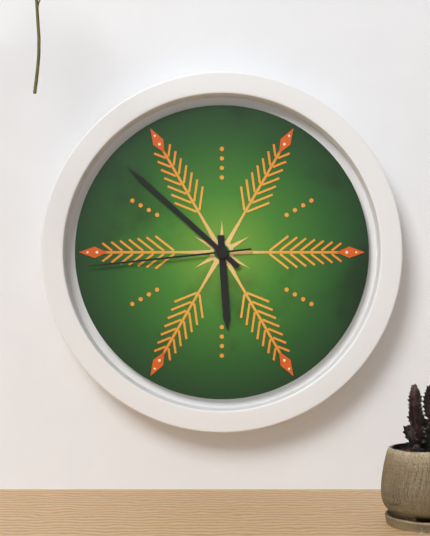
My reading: 5:52:44
